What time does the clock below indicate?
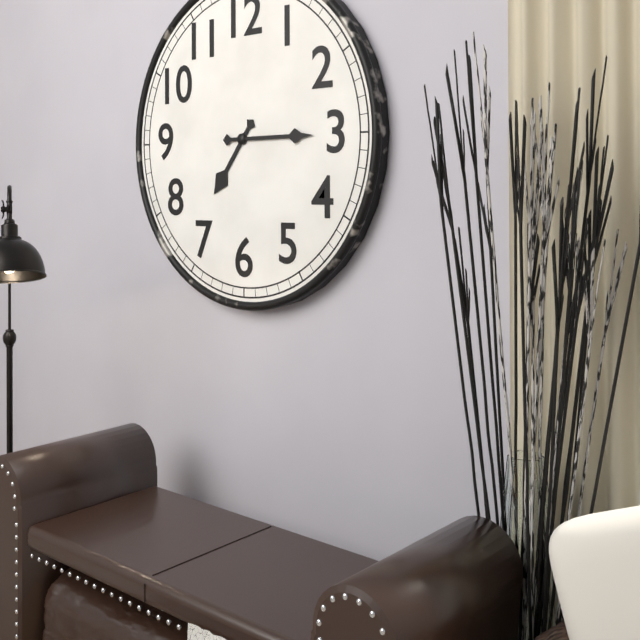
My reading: 7:15
